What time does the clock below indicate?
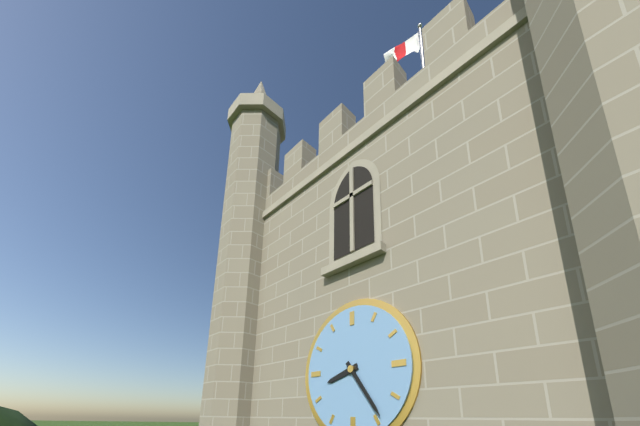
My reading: 8:24
